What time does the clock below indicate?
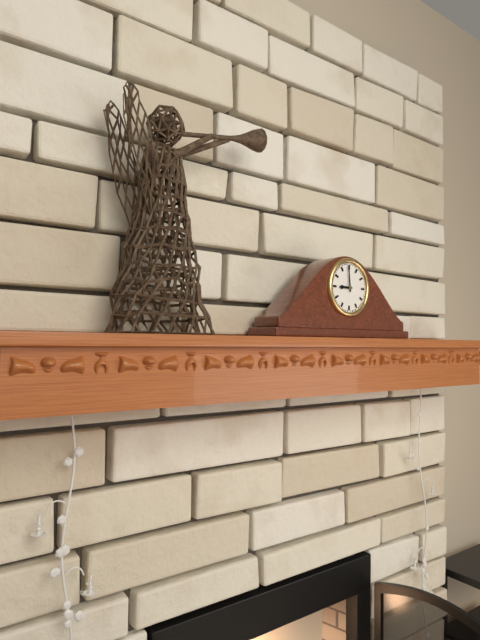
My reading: 8:59
